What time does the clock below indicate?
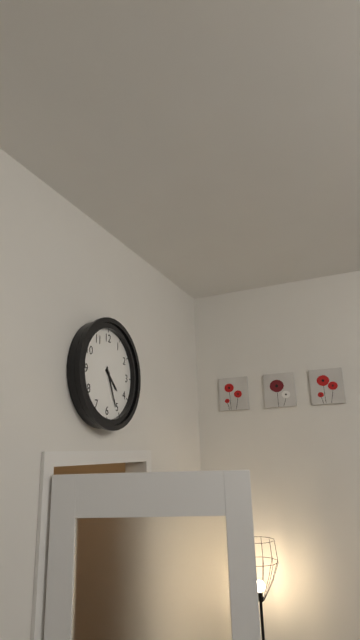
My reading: 4:26
